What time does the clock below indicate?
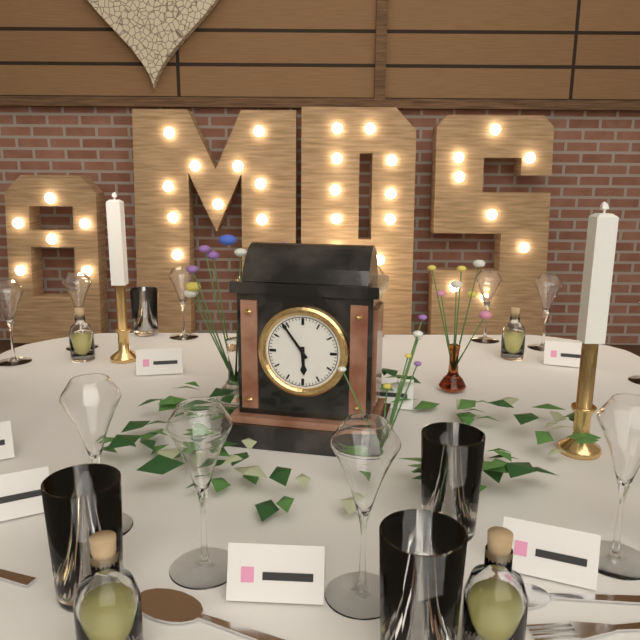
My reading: 5:54
